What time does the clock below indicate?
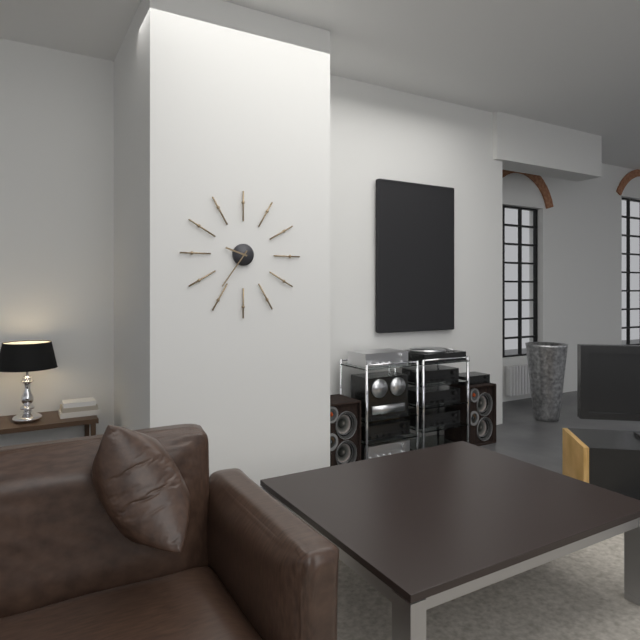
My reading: 9:36
